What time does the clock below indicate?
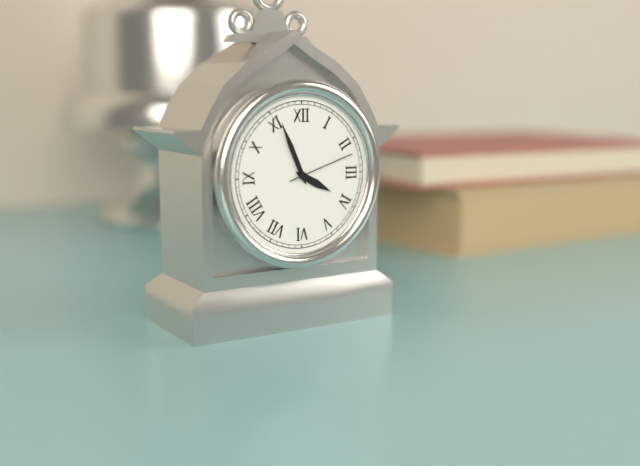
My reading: 3:56:12
